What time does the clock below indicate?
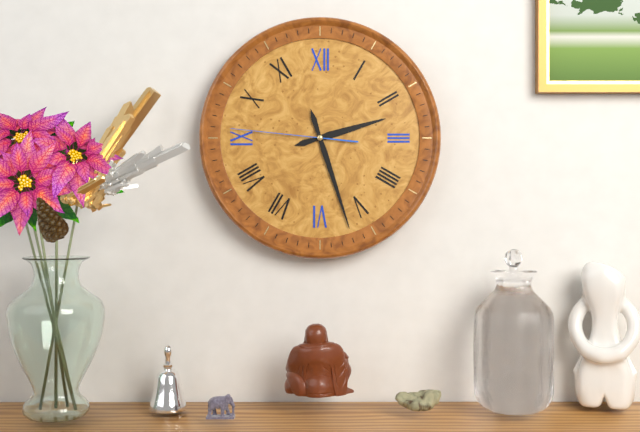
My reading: 2:27:46
